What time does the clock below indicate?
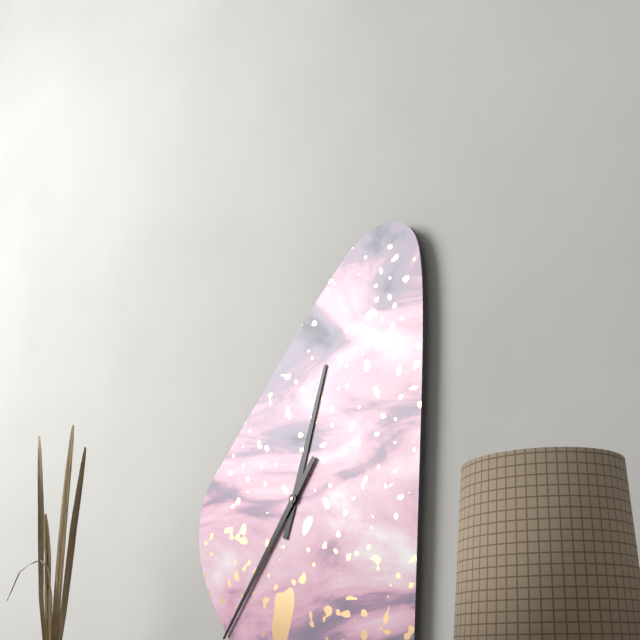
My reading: 12:36
